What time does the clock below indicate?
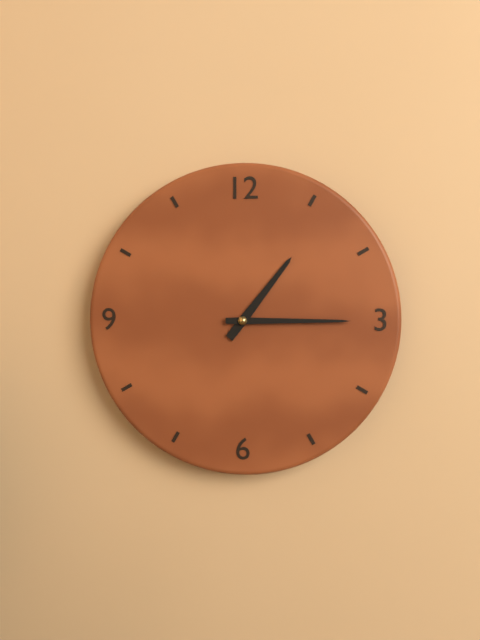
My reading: 1:15
